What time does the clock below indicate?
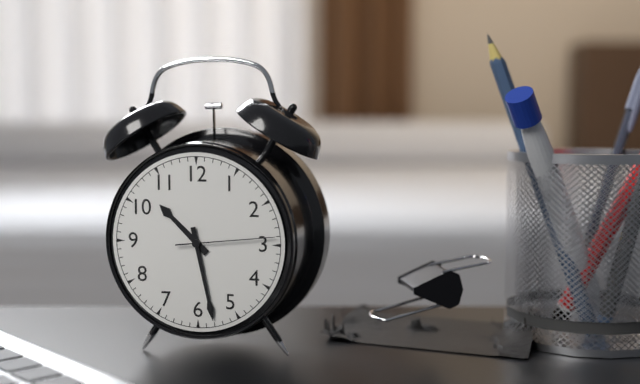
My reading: 10:28:14
